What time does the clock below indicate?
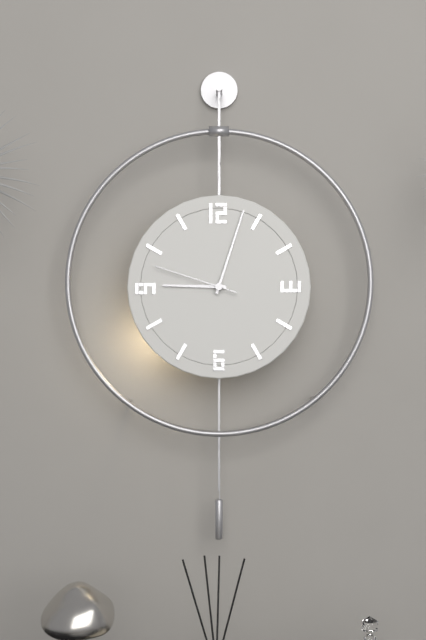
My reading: 9:03:48
